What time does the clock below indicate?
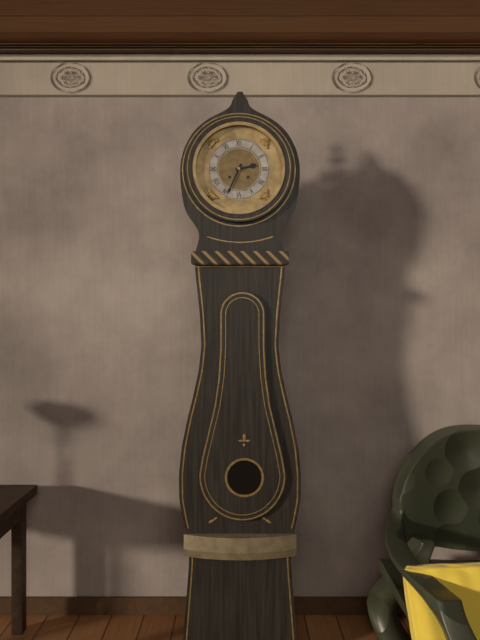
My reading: 2:34
